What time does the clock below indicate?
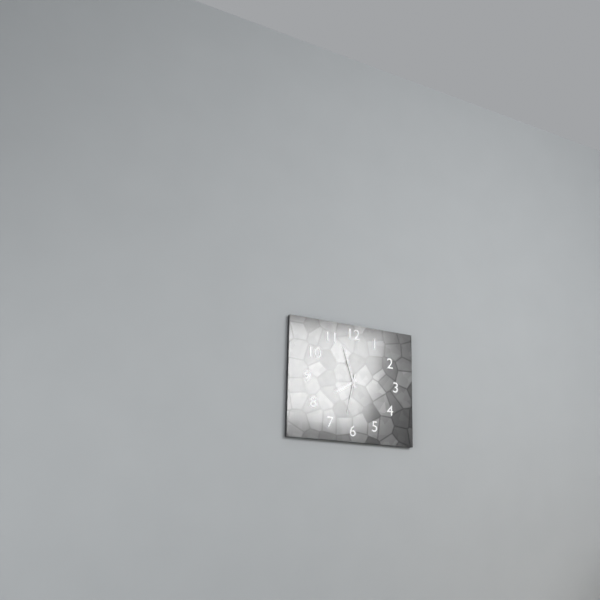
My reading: 7:57
